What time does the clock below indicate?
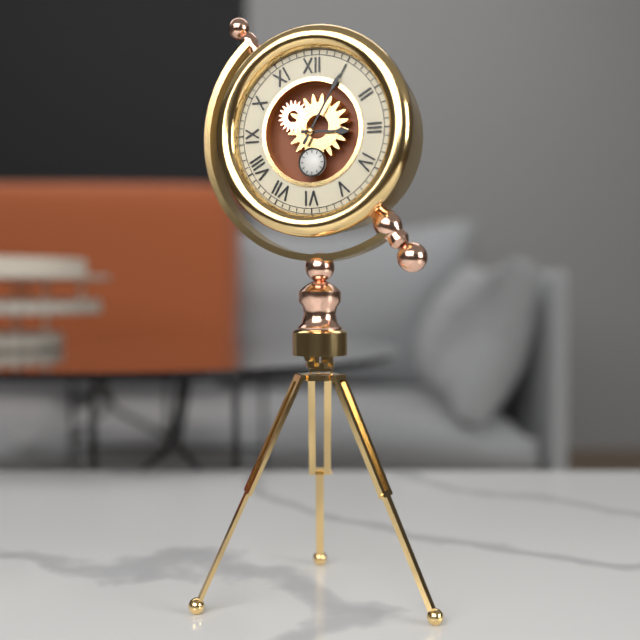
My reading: 3:05
